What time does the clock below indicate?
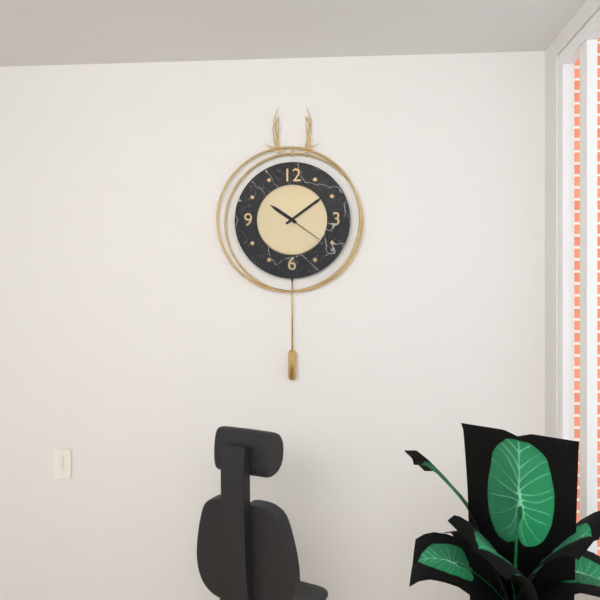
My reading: 10:09
